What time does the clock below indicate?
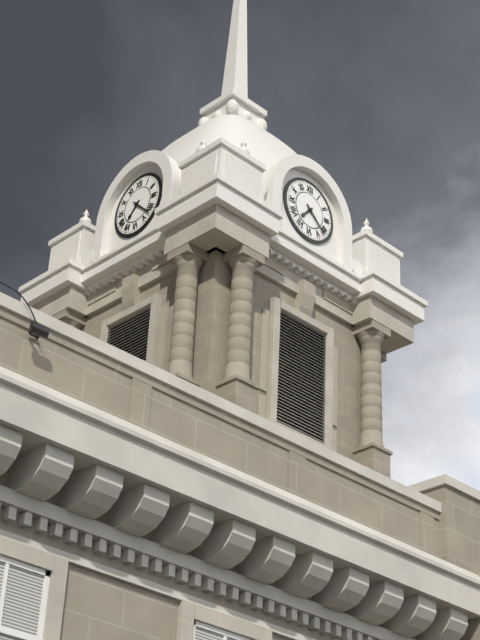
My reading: 7:22
